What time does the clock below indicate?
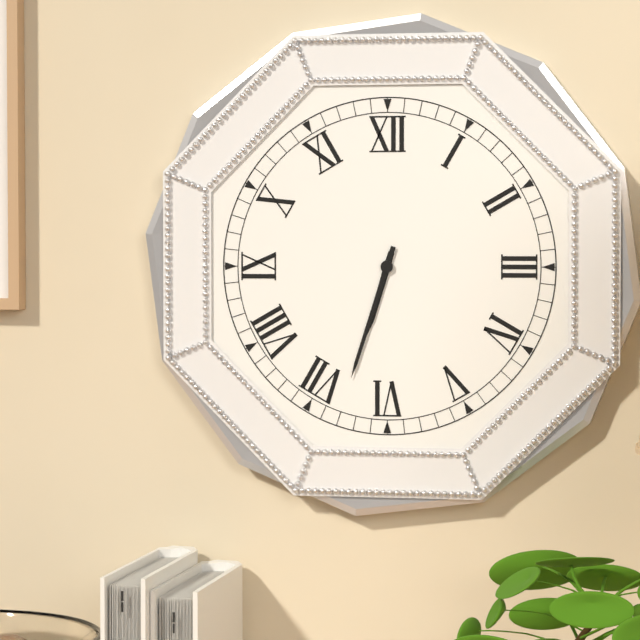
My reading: 6:33
